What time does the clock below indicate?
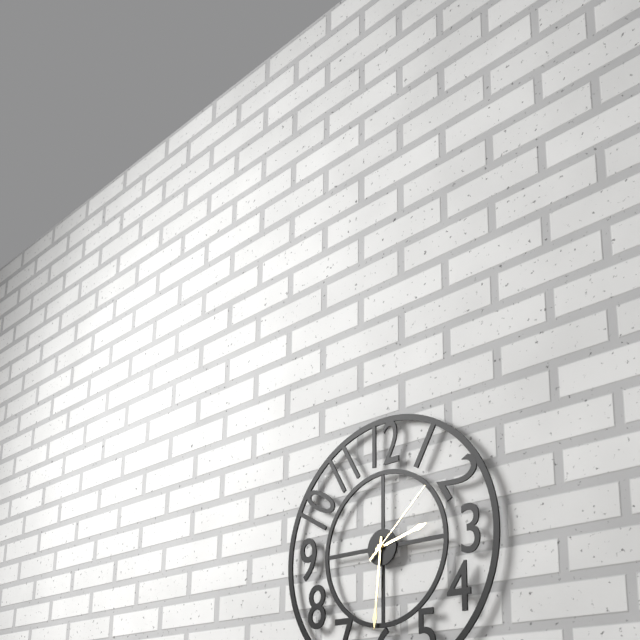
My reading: 2:31:08
